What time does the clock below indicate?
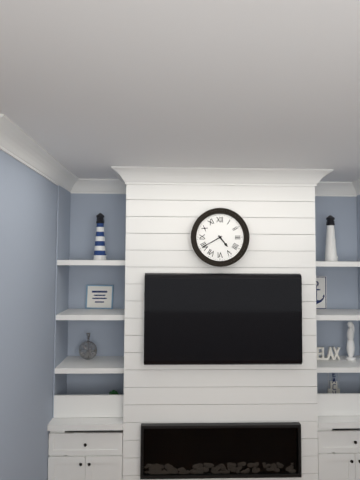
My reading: 4:40
